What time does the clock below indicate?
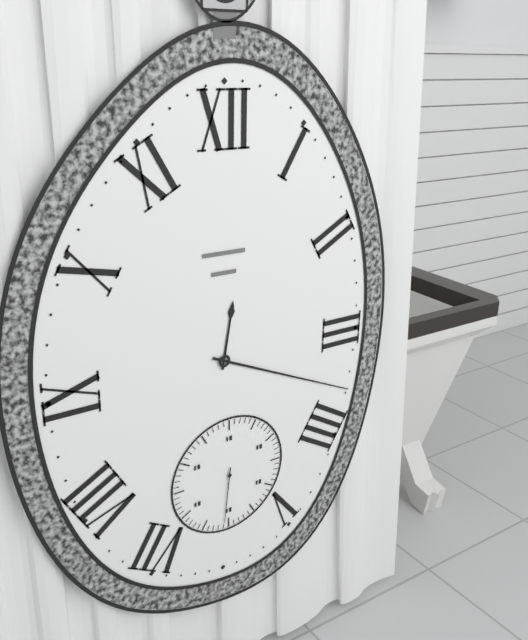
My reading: 12:19:31
